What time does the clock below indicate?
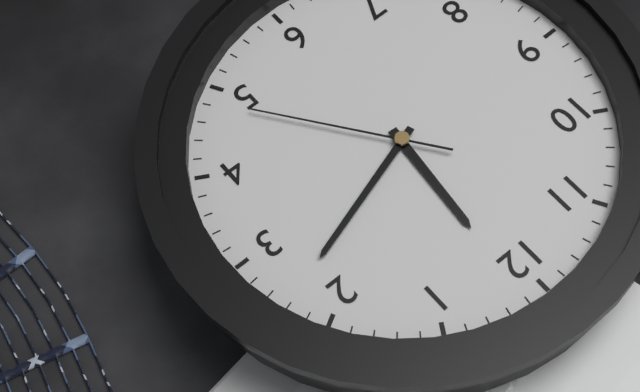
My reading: 12:12:24
